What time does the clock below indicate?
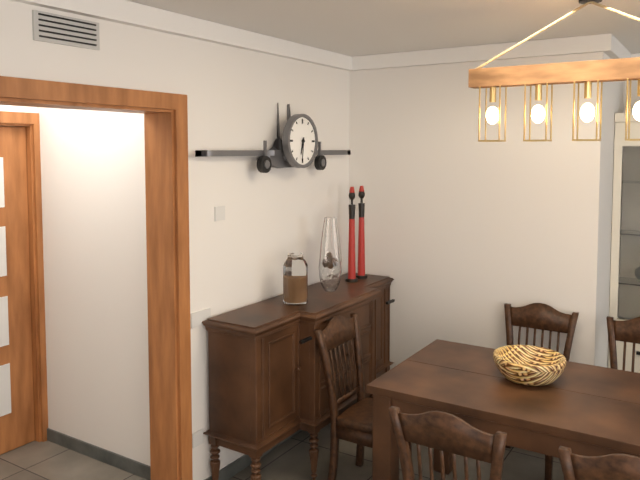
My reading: 6:31
